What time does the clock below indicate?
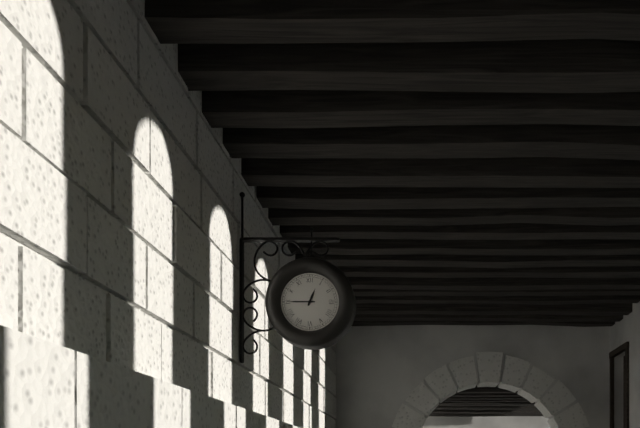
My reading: 12:45
